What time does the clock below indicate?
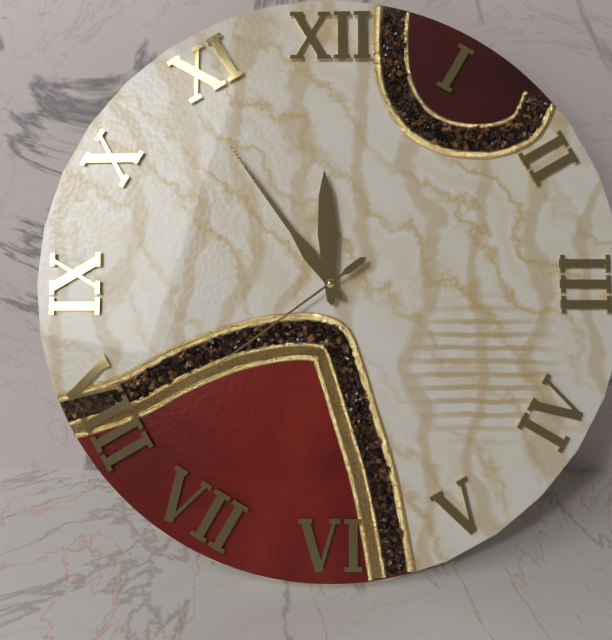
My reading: 11:54:39
